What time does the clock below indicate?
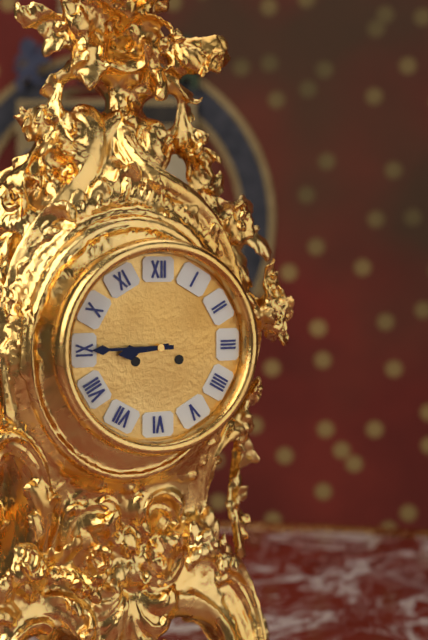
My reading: 8:45
